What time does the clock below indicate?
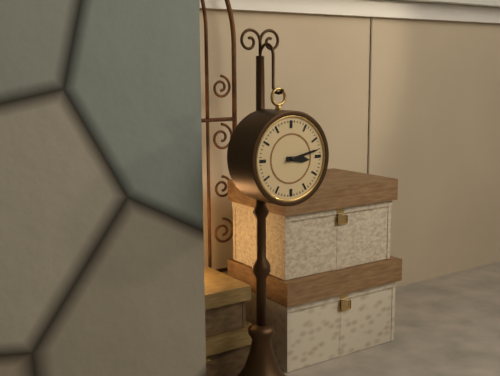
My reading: 3:13
